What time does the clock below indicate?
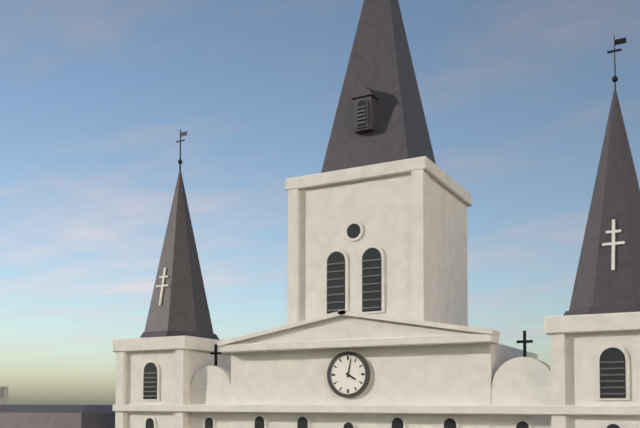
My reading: 4:02
